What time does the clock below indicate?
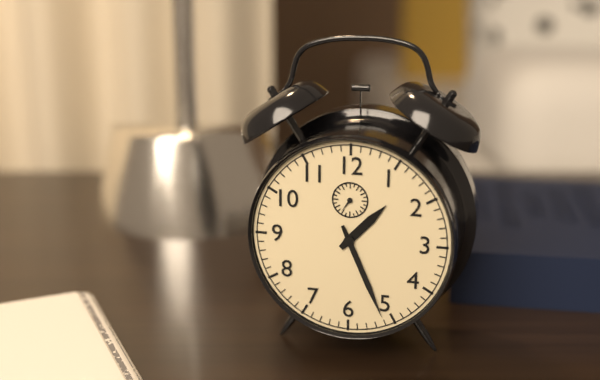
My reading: 1:26
